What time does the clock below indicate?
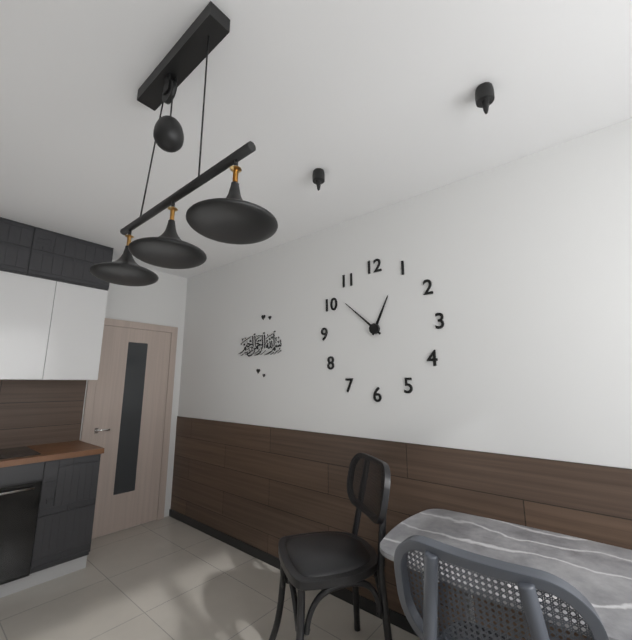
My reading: 12:52
